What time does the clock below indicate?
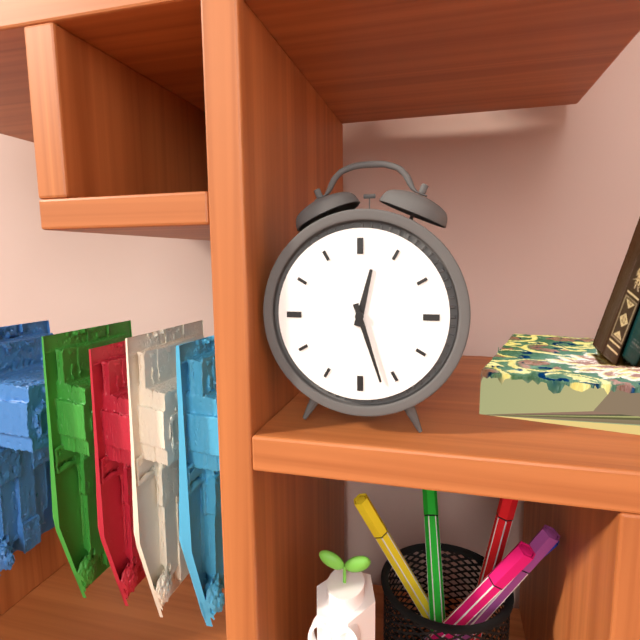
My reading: 12:27
